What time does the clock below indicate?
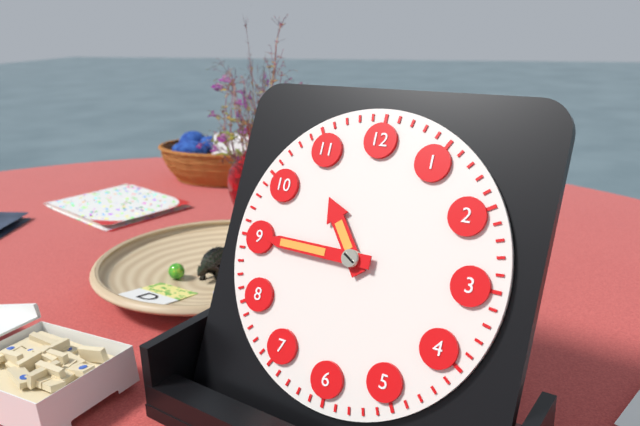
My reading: 10:45
